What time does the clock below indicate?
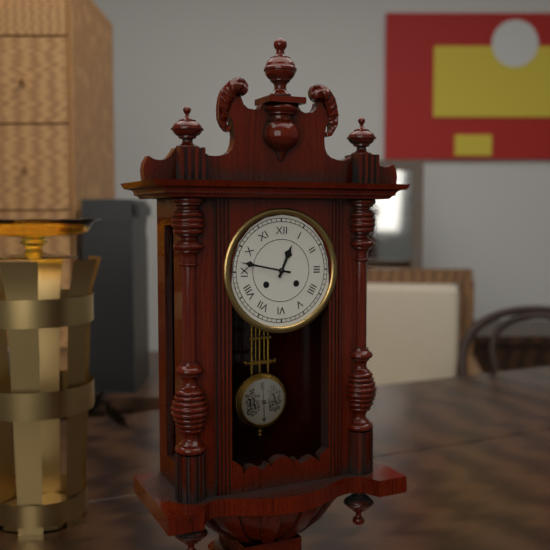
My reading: 12:47
